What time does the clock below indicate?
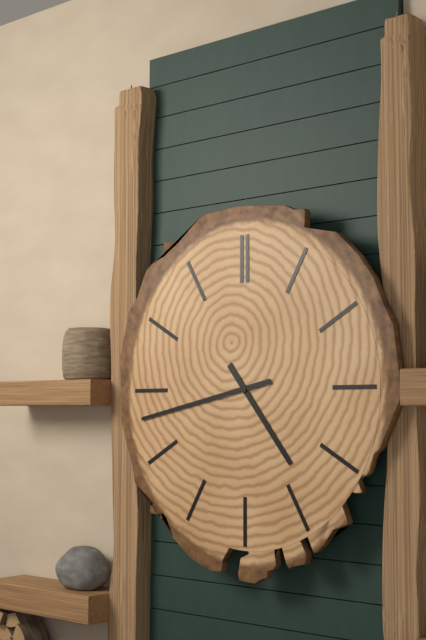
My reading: 4:43
